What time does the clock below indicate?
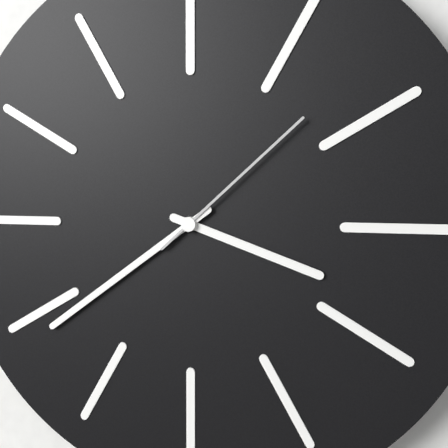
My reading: 3:39:08
